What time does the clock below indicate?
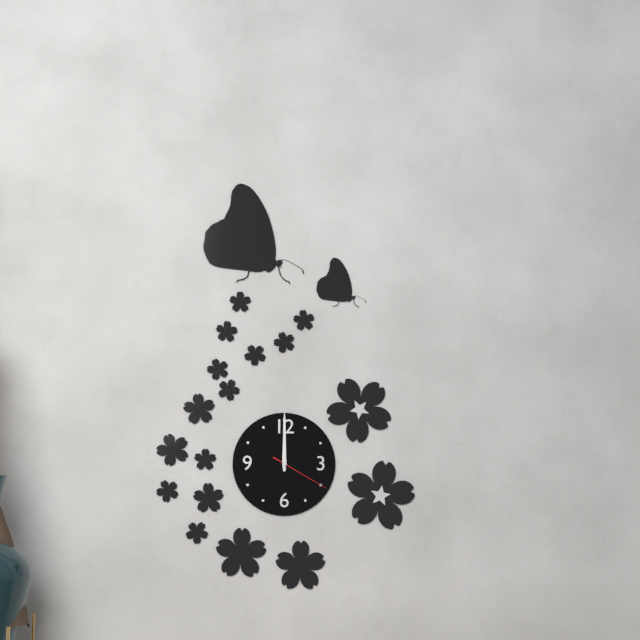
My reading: 12:00:20
